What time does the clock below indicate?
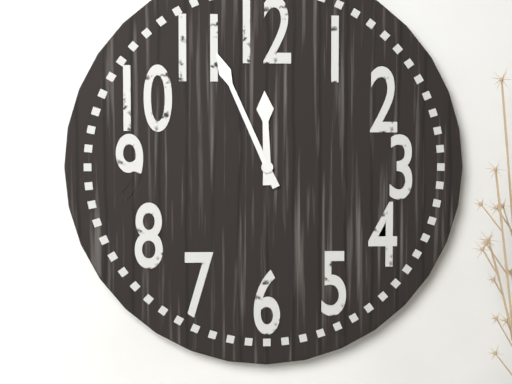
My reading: 11:56
